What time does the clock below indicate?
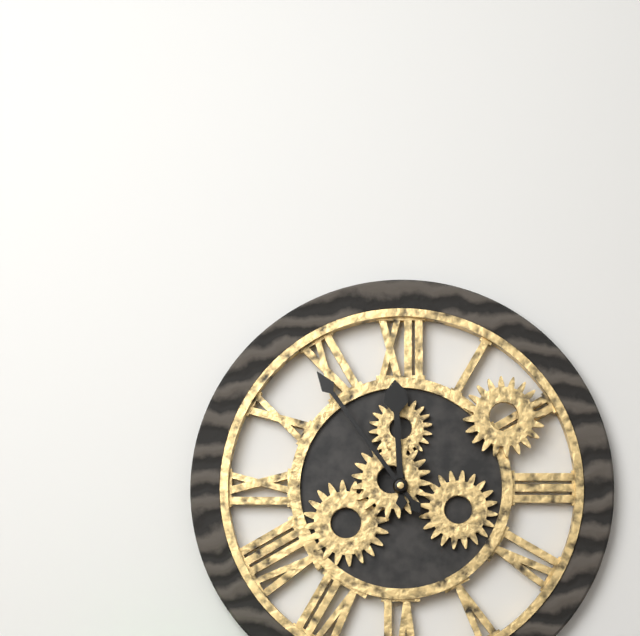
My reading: 11:54
